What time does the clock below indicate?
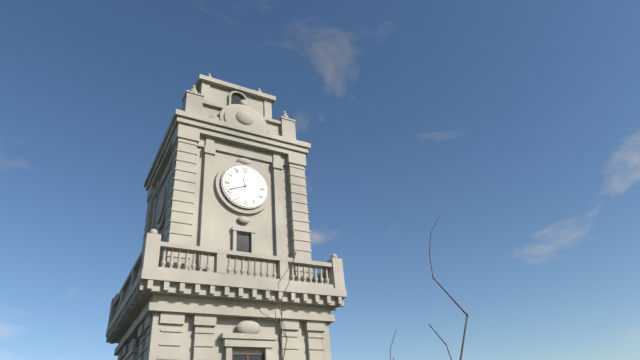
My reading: 11:41
